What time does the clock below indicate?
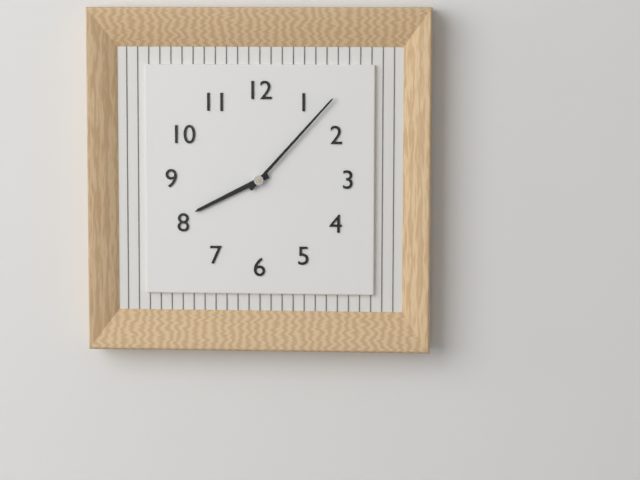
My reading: 8:07
